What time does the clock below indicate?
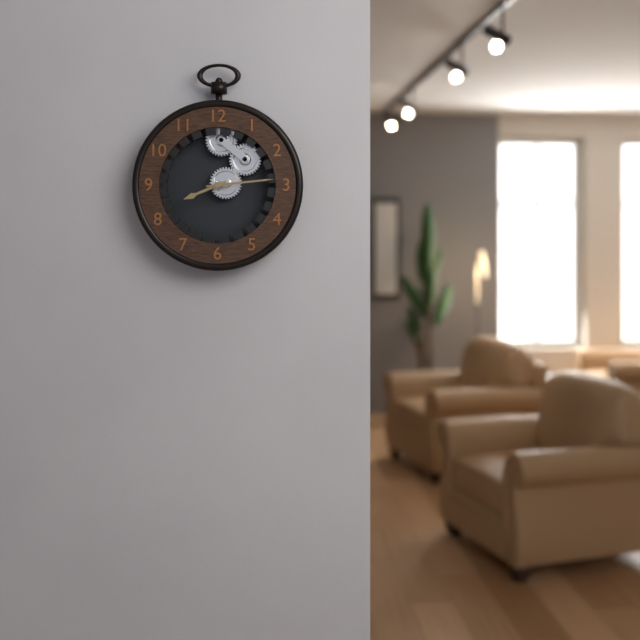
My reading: 8:14
